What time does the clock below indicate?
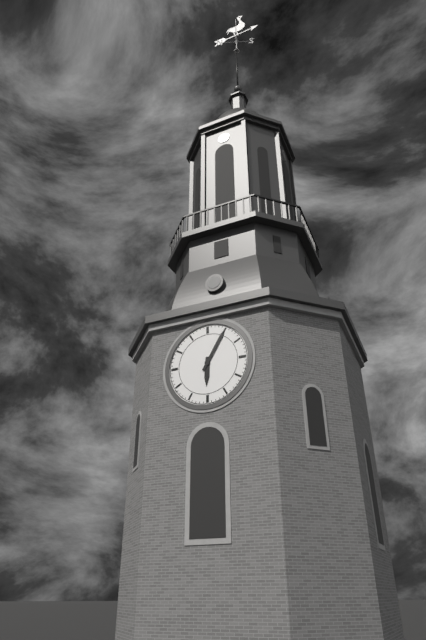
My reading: 6:05
